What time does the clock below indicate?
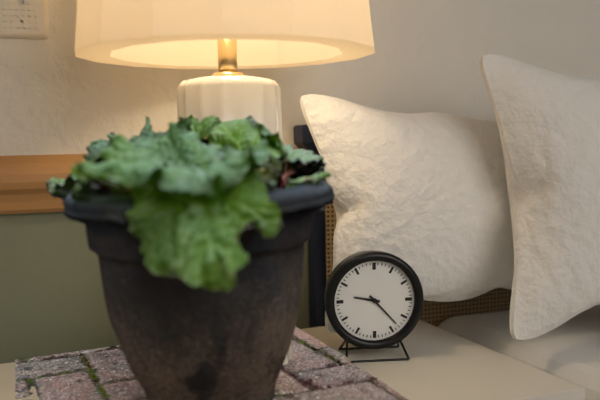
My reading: 9:23
